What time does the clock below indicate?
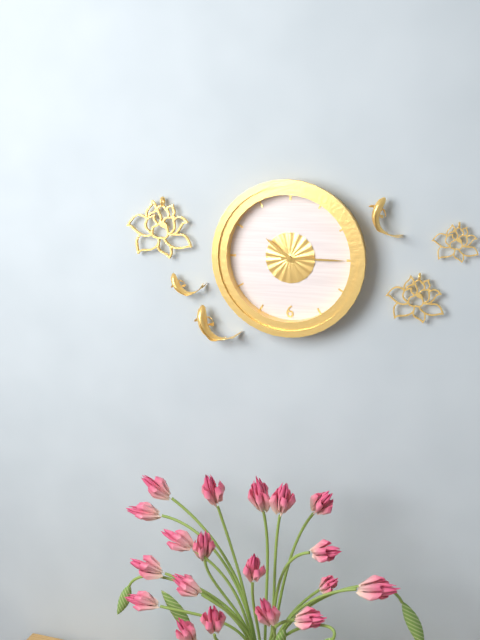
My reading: 10:15
